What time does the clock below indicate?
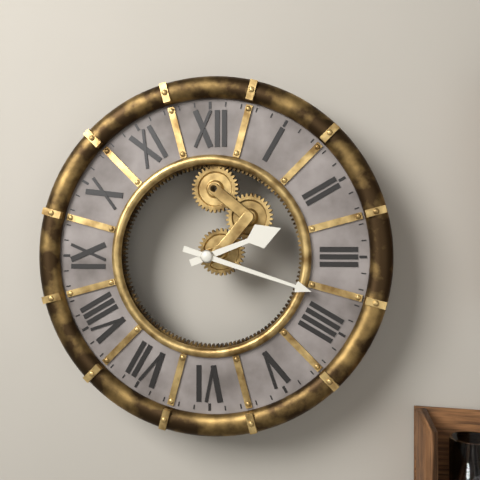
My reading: 2:18
